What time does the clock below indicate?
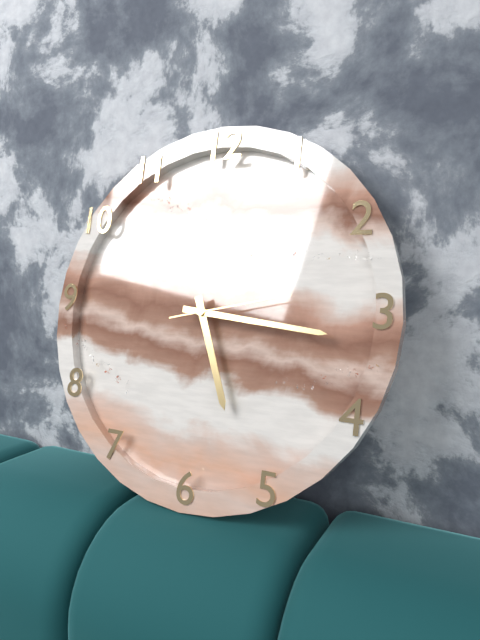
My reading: 5:16:13
